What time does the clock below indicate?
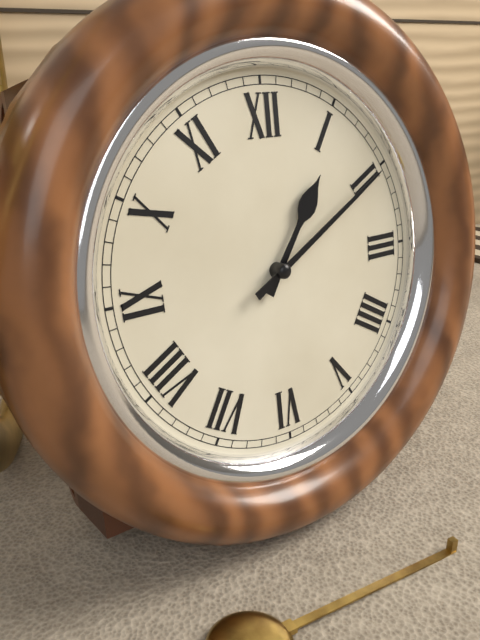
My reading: 1:10
